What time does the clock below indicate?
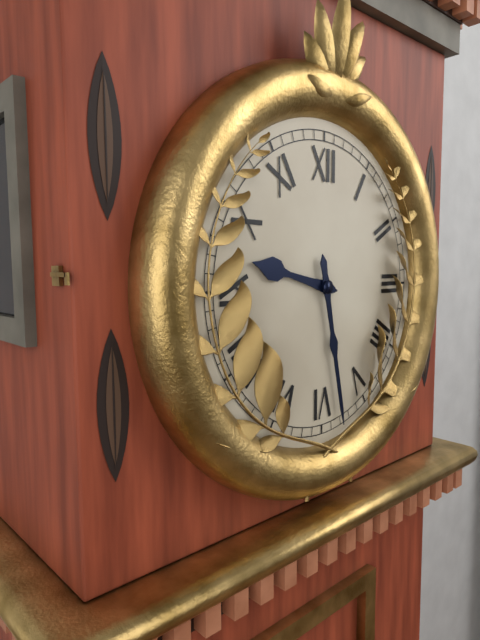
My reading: 9:28
